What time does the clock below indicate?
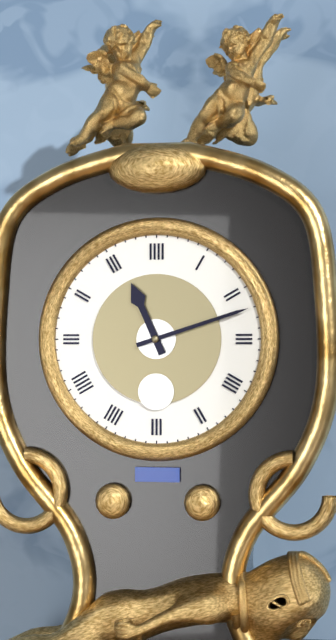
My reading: 11:12
